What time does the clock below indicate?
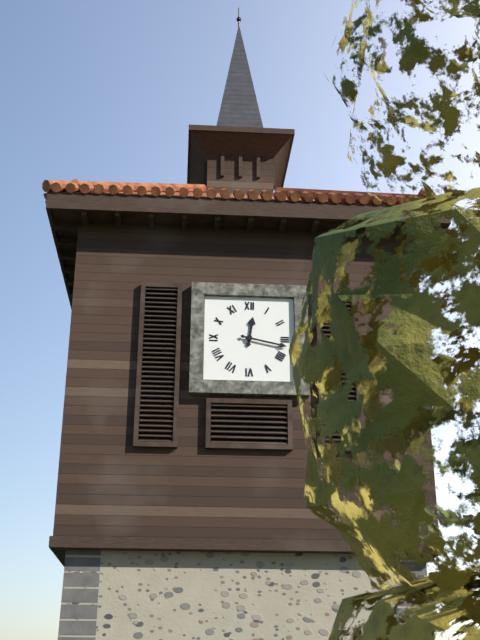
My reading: 12:17
